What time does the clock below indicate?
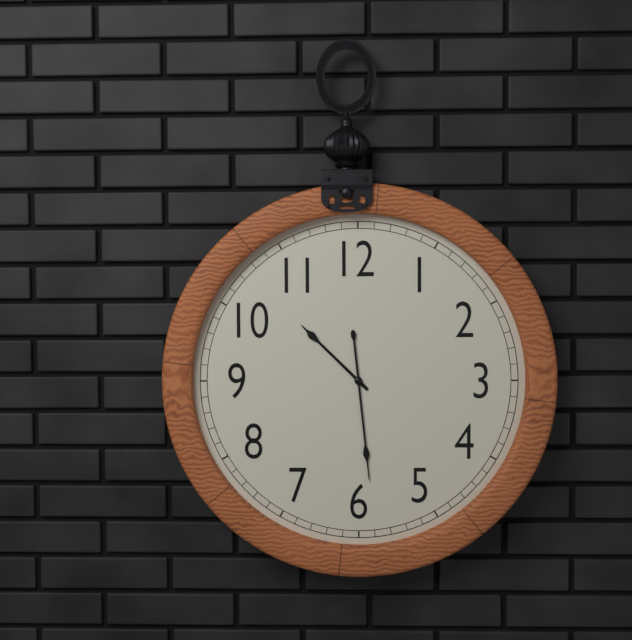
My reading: 10:29
